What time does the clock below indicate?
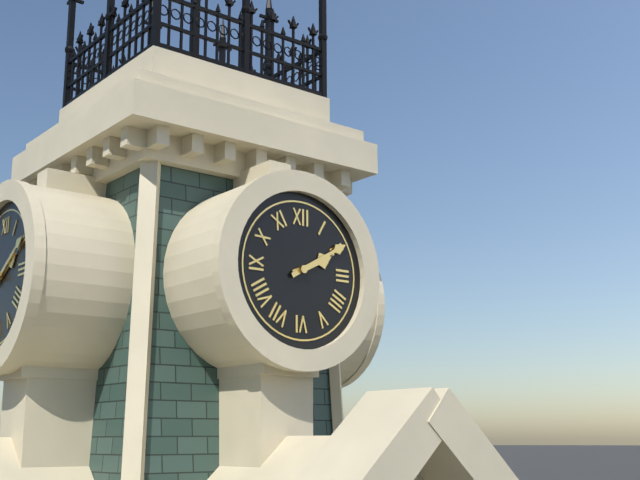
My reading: 2:10
